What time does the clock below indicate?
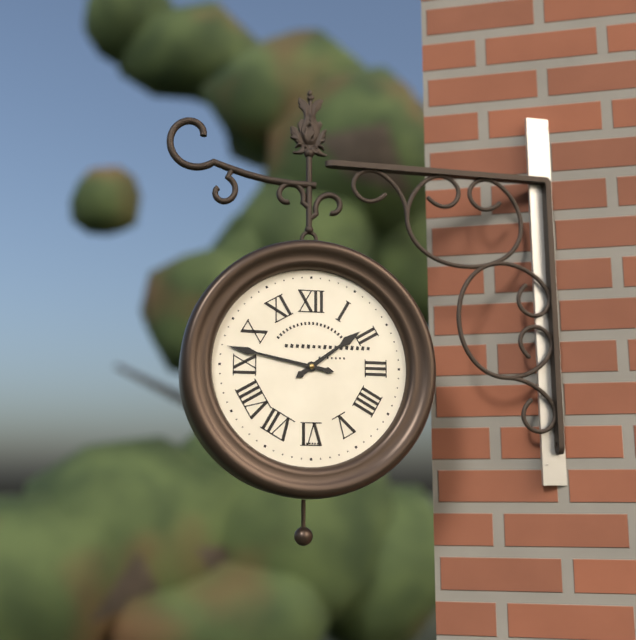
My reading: 1:47
